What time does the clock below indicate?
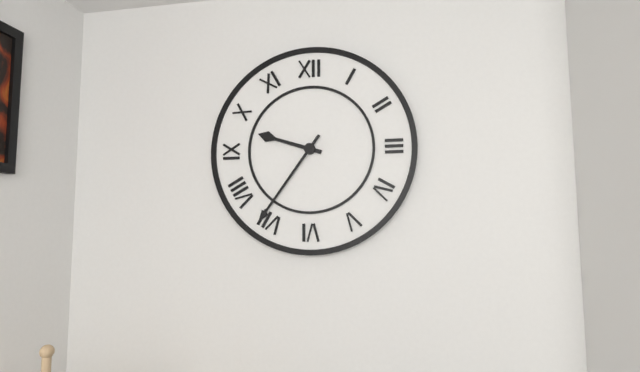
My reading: 9:36
